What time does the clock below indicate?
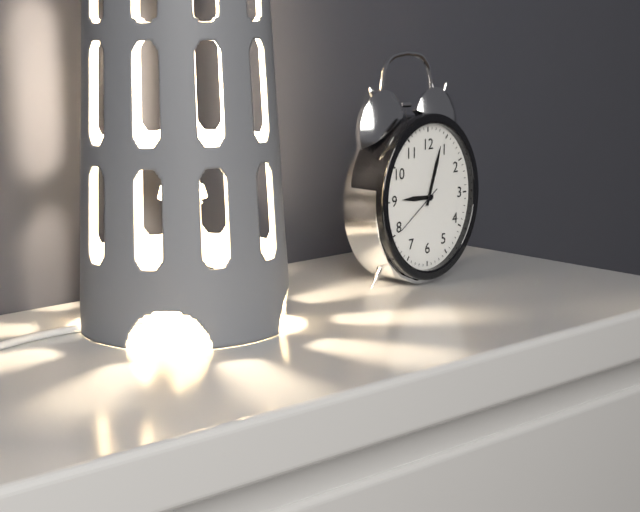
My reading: 9:03
